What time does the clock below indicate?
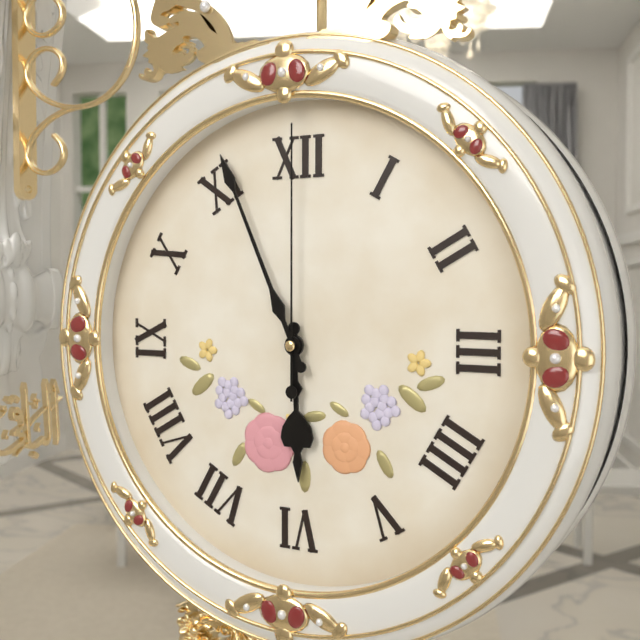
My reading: 5:56:00
